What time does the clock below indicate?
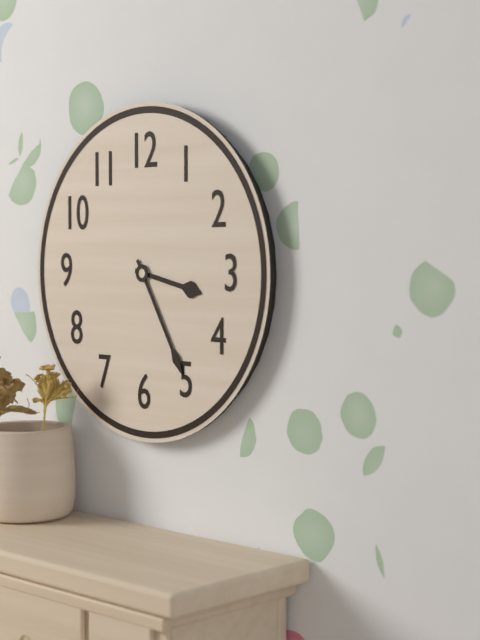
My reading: 3:25
